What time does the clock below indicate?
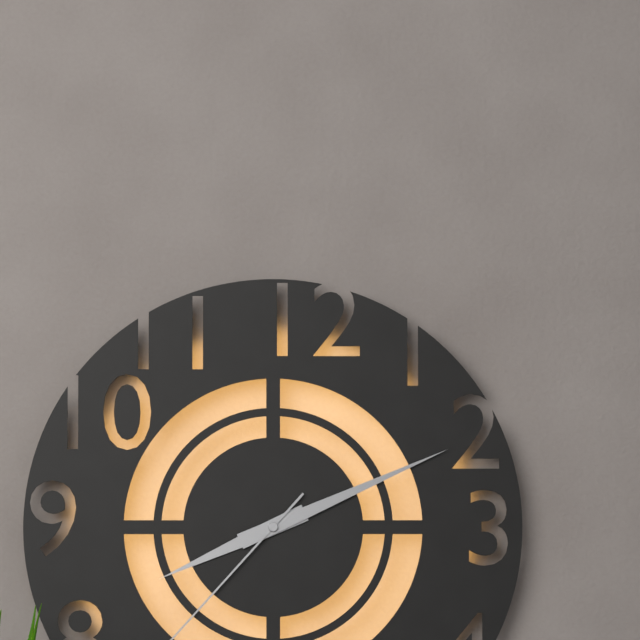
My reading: 8:11
